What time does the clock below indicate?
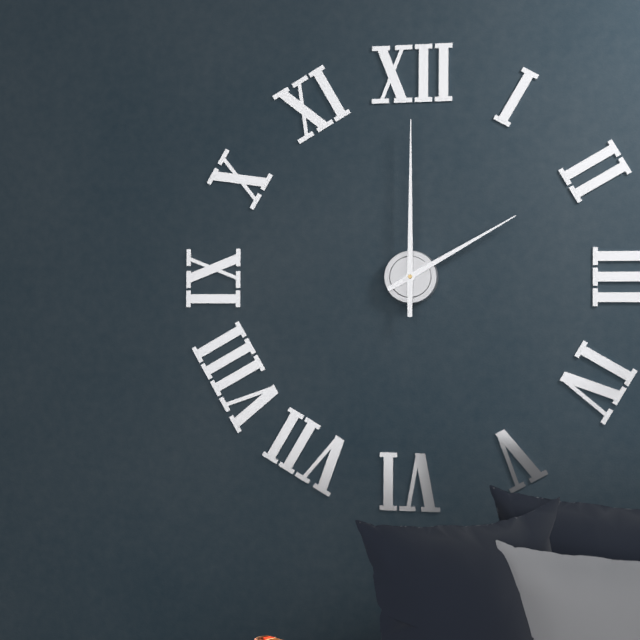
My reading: 2:00
